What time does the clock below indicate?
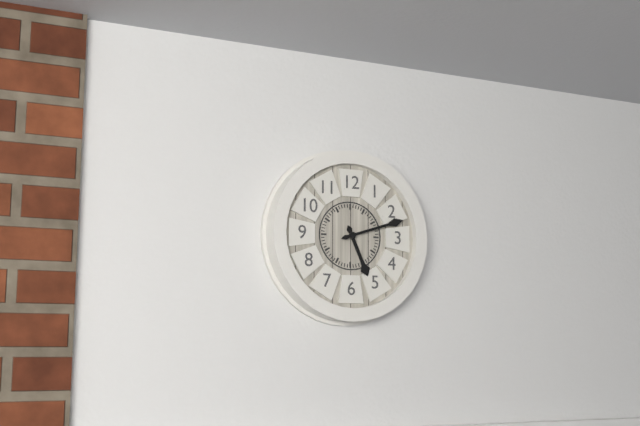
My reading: 5:12
